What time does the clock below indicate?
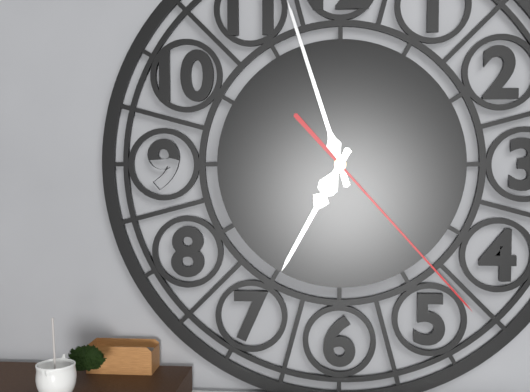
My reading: 6:57:23
